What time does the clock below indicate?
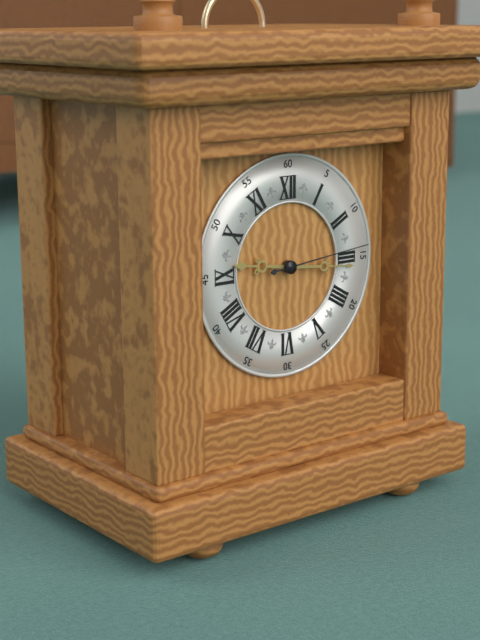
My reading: 9:16:14
